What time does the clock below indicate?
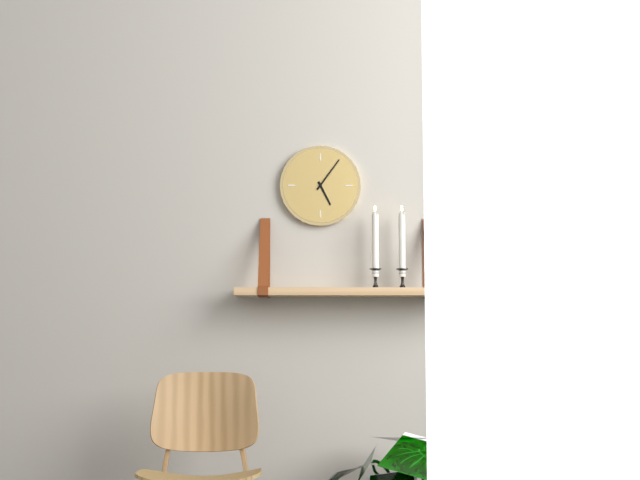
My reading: 5:06
